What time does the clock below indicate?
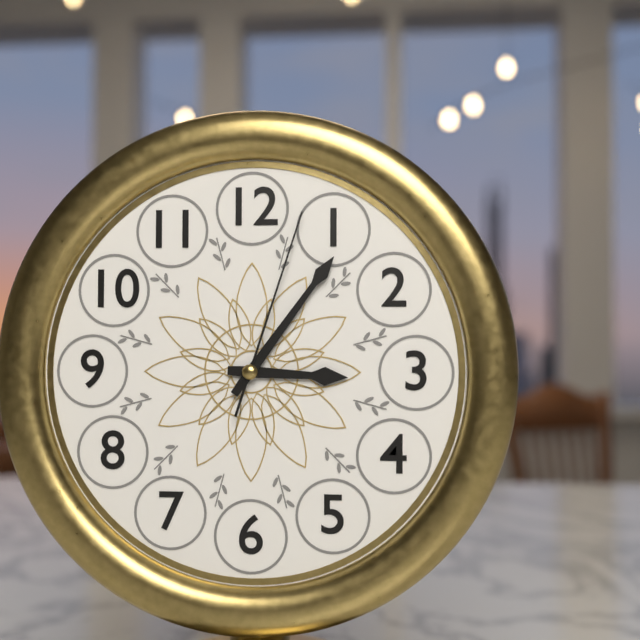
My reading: 3:06:03
